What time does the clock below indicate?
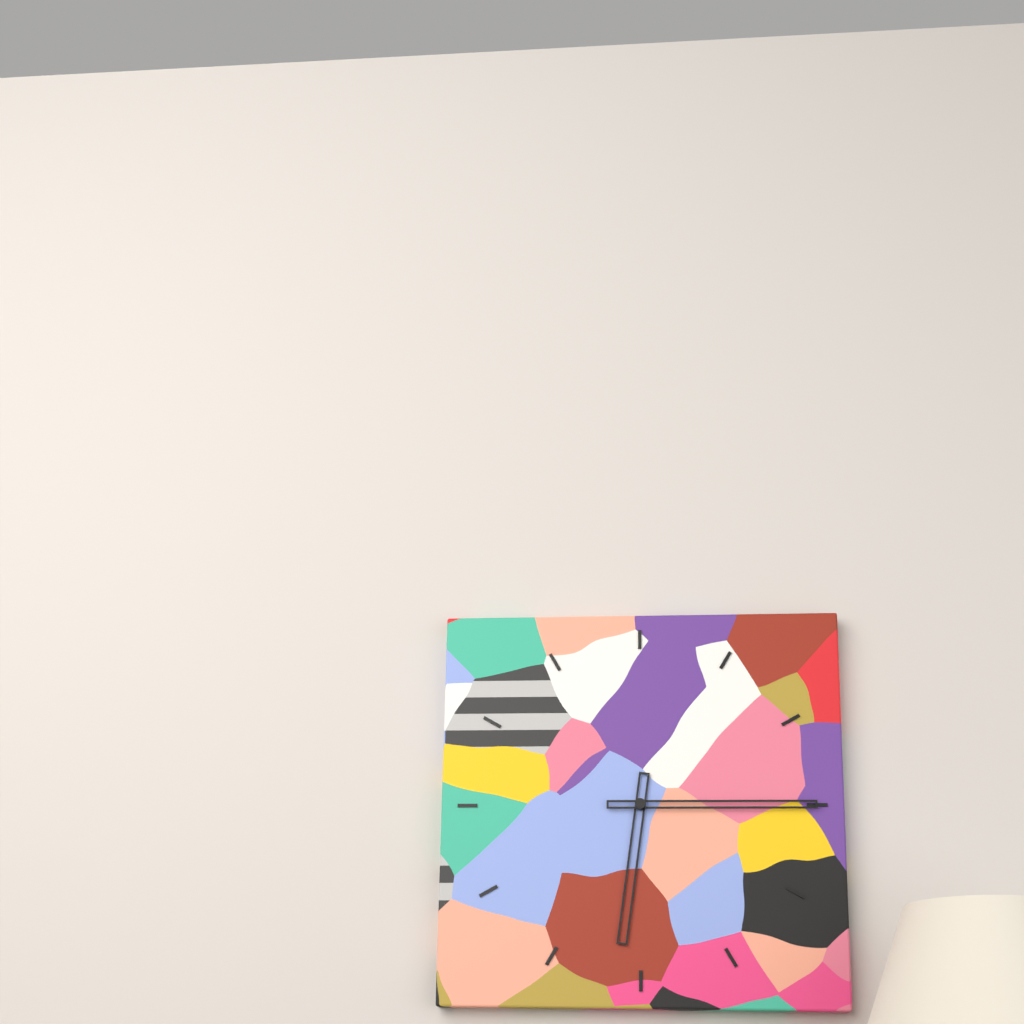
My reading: 6:15
